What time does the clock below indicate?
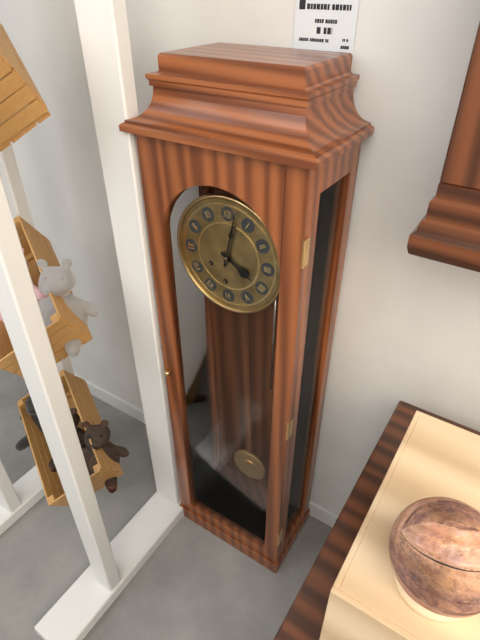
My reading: 4:02
